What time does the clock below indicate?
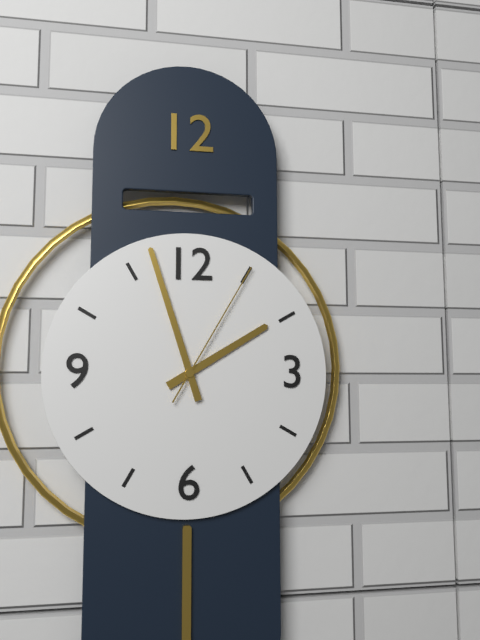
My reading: 1:57:05
